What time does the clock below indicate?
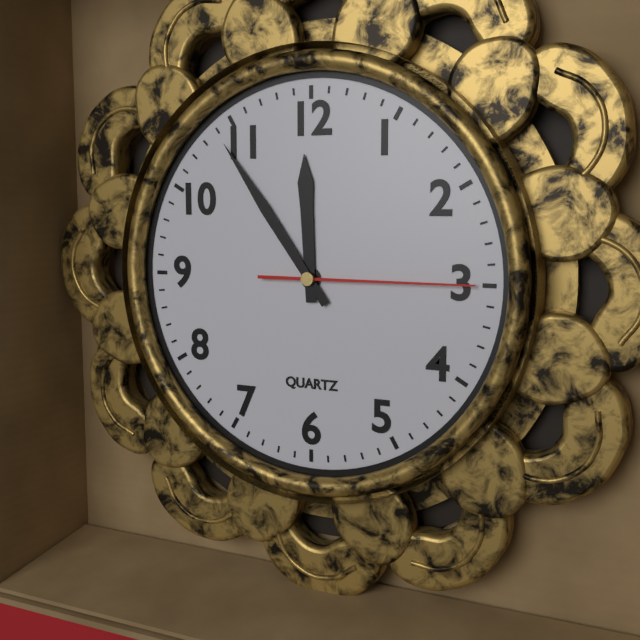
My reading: 11:54:15
